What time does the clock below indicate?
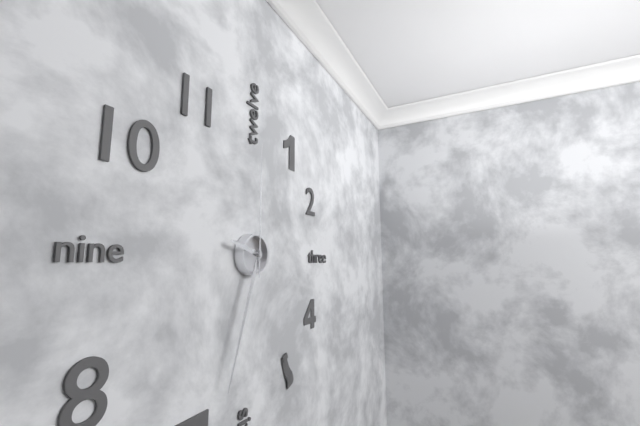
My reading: 9:33:00
